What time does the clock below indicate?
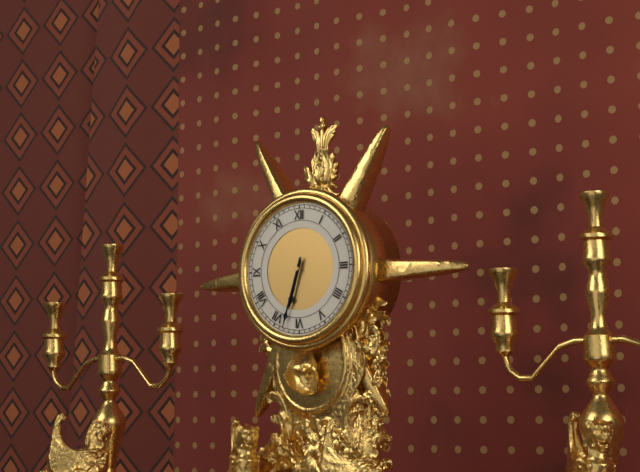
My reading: 6:33
